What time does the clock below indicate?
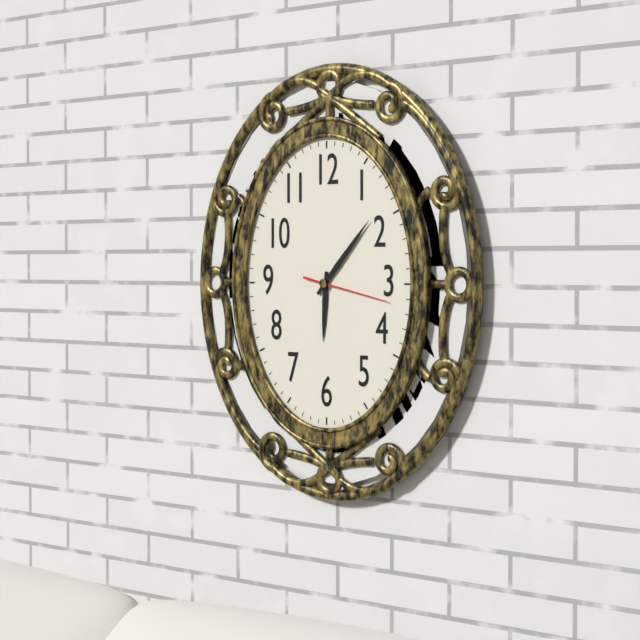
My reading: 6:07:17
